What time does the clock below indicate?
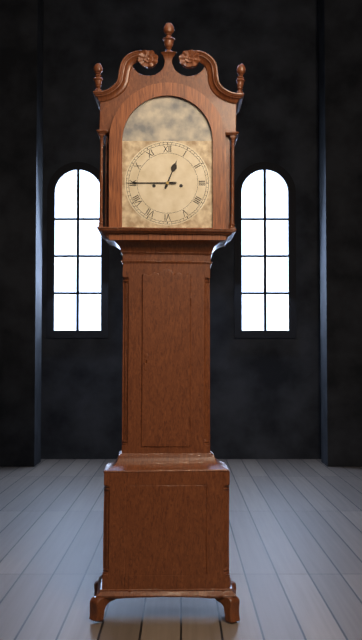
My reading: 12:45
